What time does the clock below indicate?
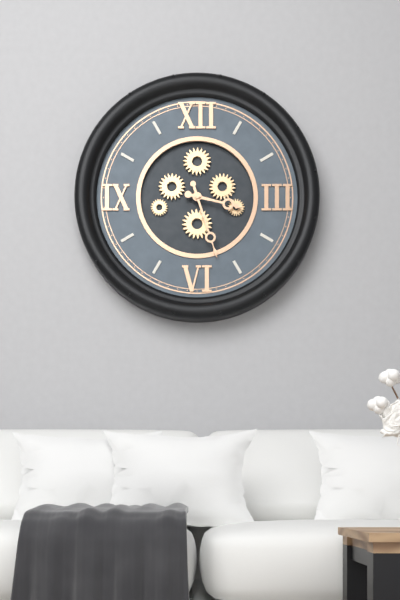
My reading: 3:27
